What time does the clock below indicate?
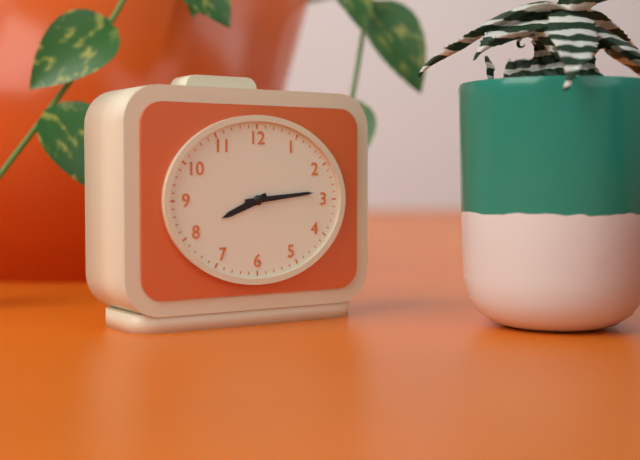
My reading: 8:14
